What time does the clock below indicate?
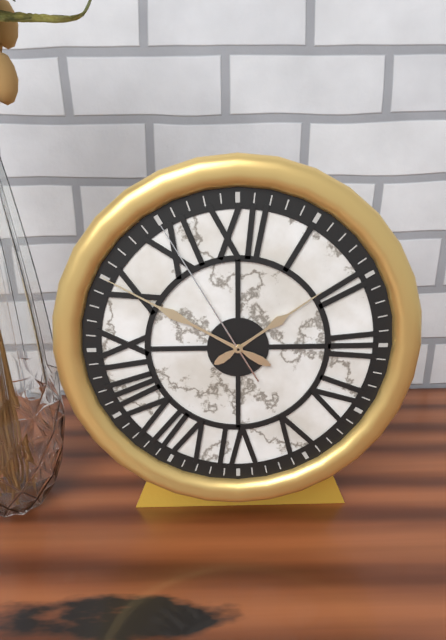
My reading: 1:50:55
